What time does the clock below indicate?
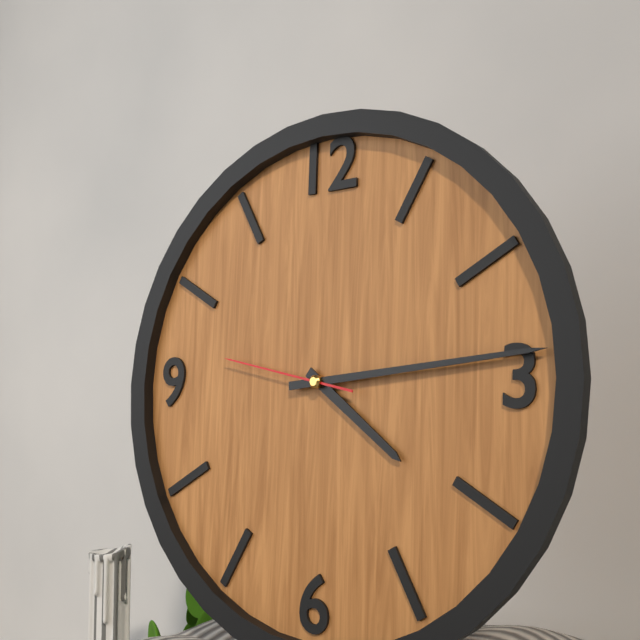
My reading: 4:14:47
